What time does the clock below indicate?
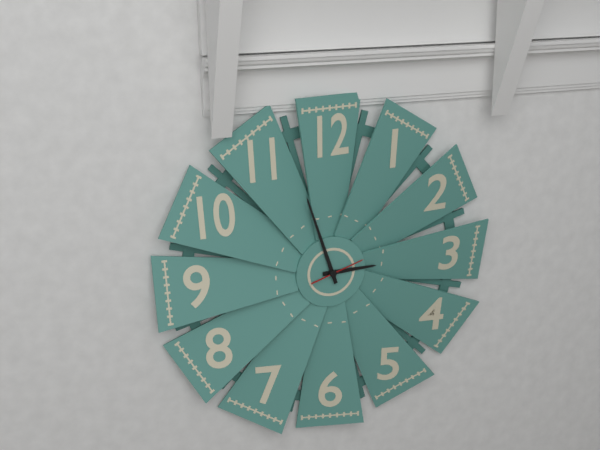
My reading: 2:57
